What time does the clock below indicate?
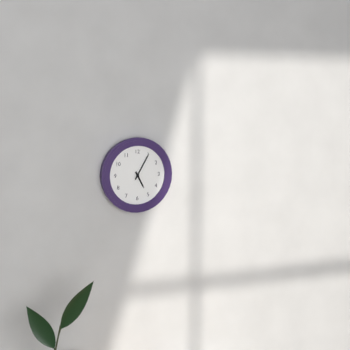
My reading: 5:05
